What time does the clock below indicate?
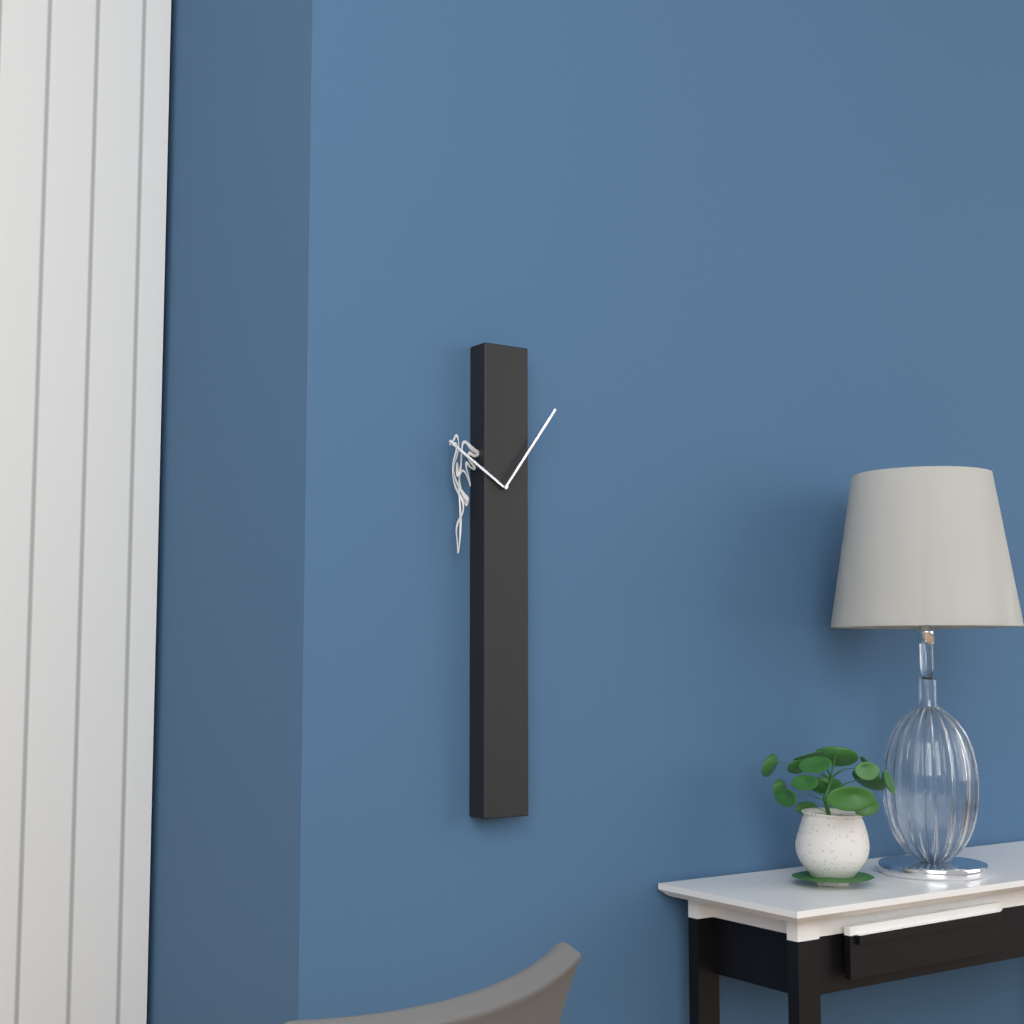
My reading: 10:06
